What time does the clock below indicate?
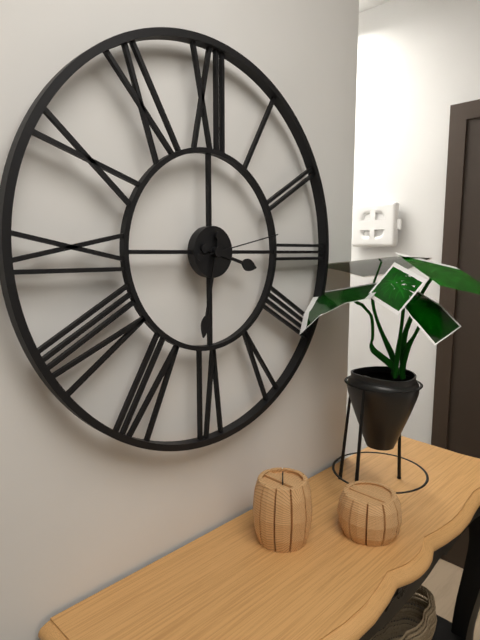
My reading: 3:32:13
